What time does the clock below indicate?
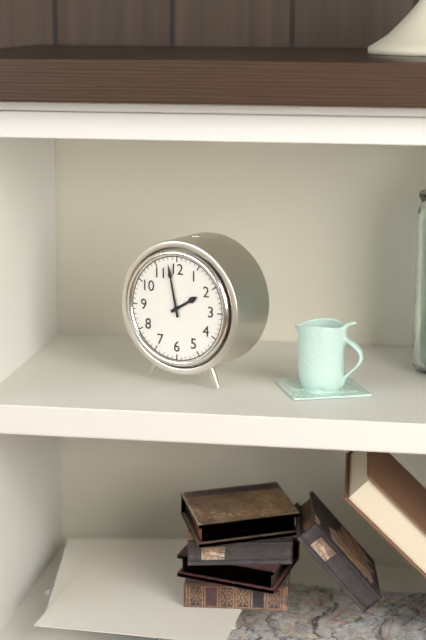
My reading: 1:58
